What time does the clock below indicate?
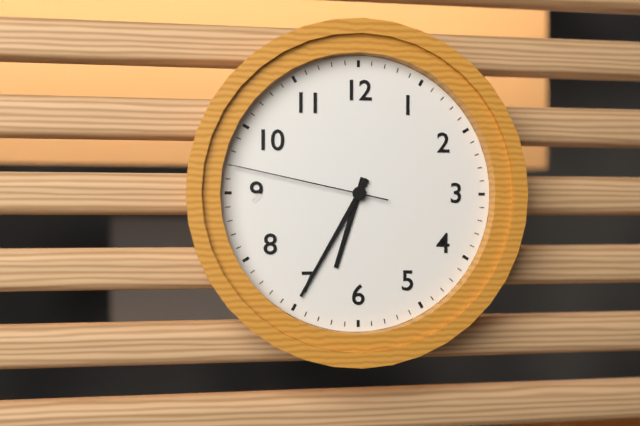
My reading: 6:35:47
